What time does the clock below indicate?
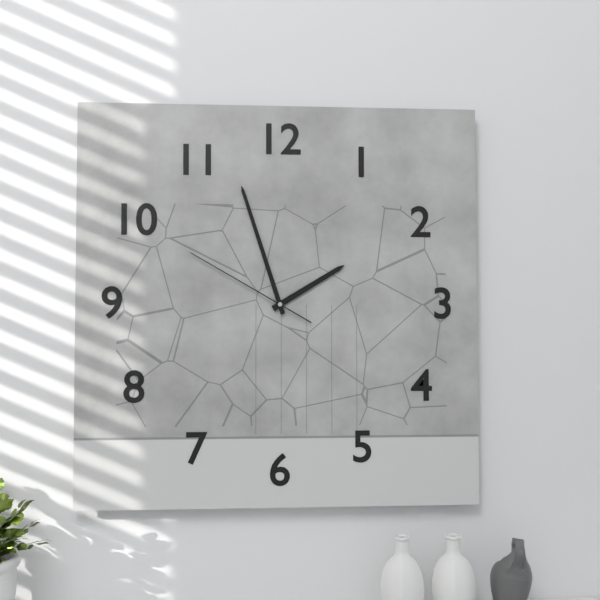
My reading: 1:57:50
